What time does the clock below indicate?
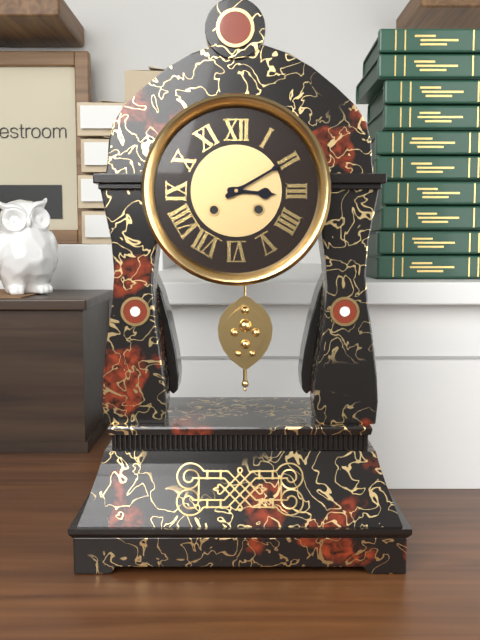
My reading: 3:10
